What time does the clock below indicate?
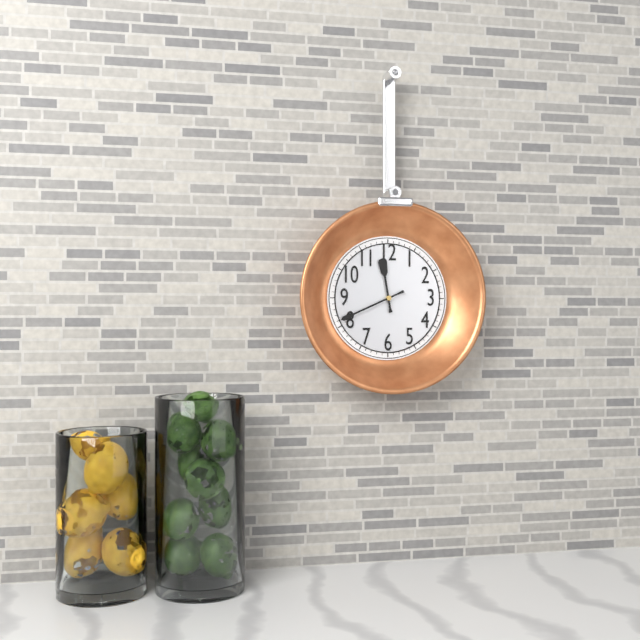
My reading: 11:41
